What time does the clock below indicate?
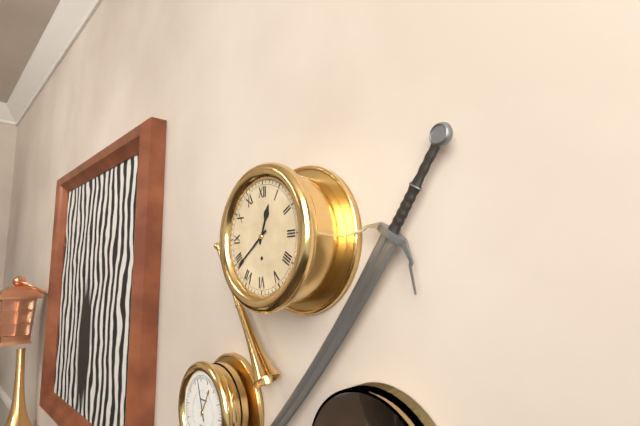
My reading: 12:39
